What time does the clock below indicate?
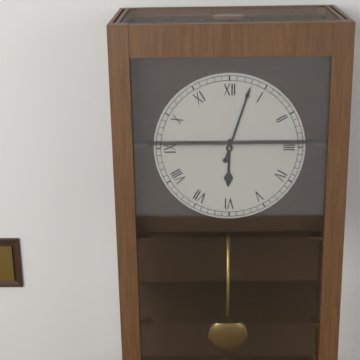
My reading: 6:03
